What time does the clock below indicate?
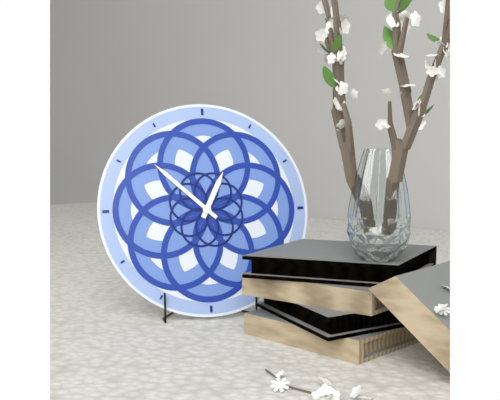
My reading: 12:52
